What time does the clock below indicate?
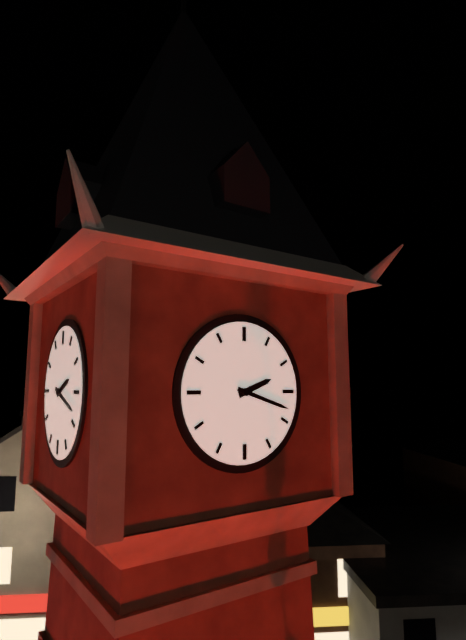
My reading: 2:18
